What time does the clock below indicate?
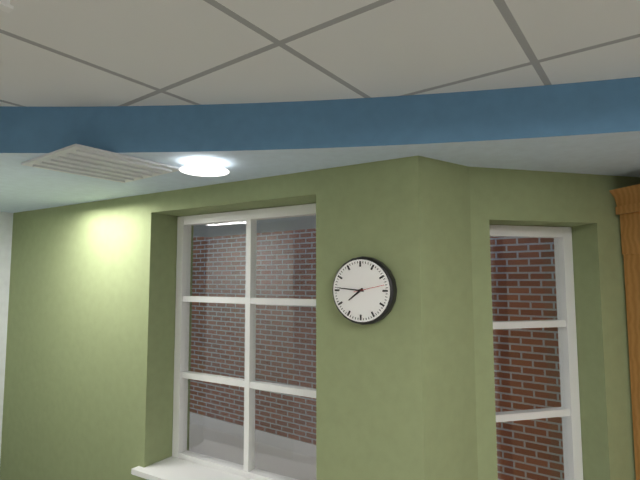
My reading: 7:46
